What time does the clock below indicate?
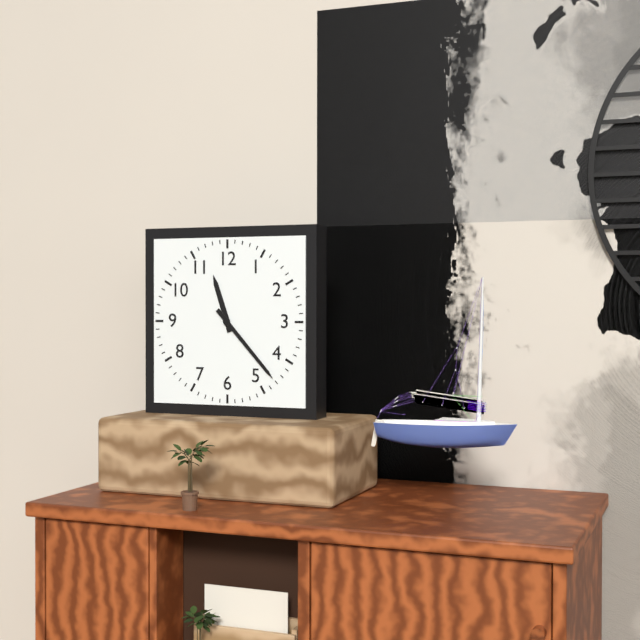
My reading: 11:23
